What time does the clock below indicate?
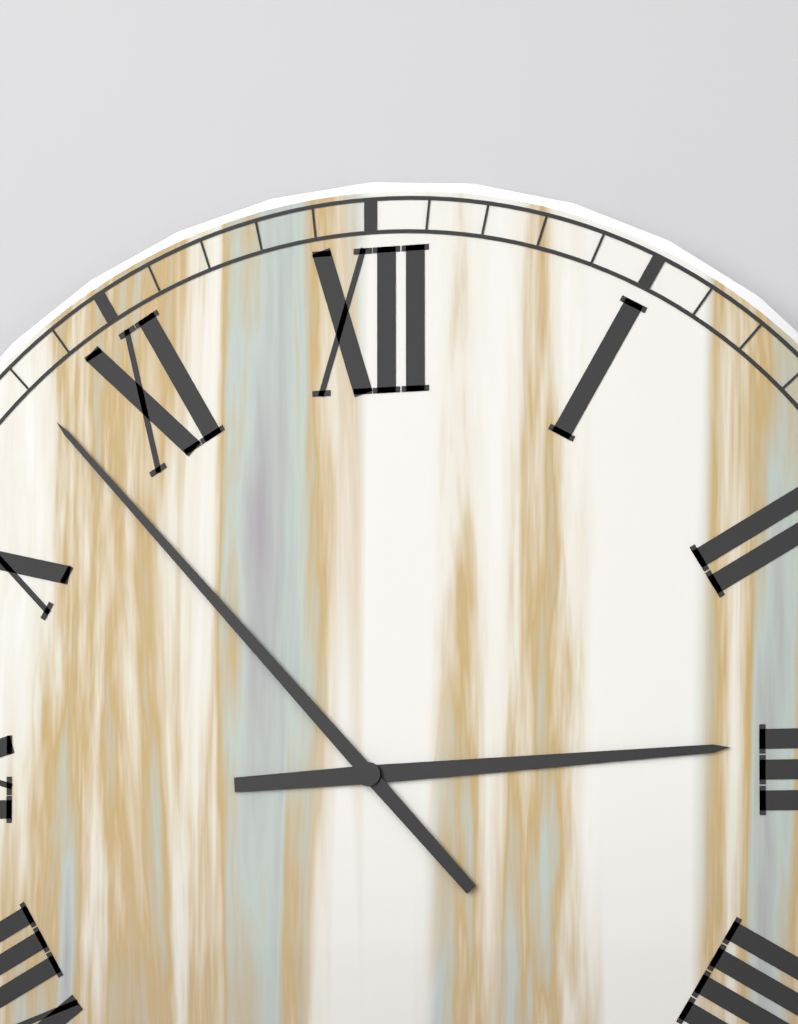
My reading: 2:53
